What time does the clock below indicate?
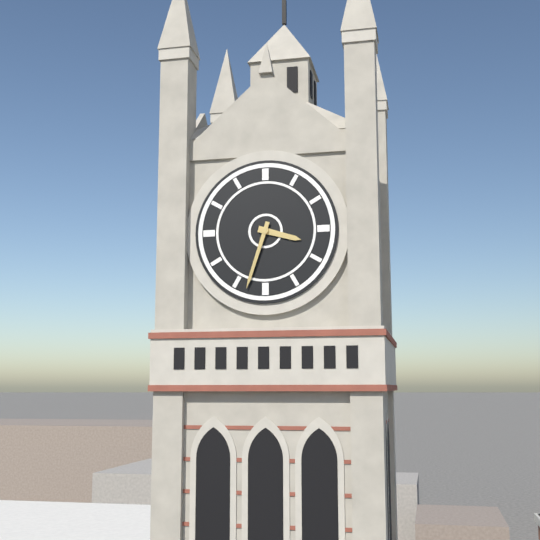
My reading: 3:33
